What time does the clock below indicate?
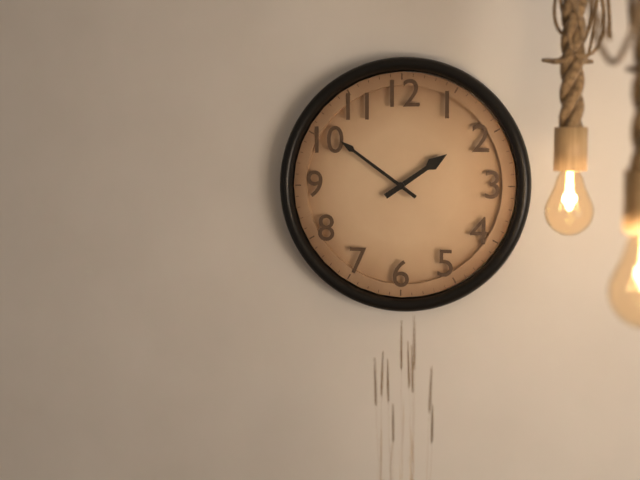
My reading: 1:51
